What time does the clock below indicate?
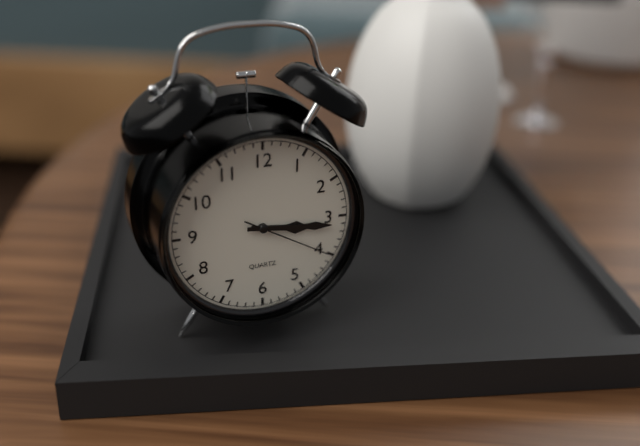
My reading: 3:16:20
